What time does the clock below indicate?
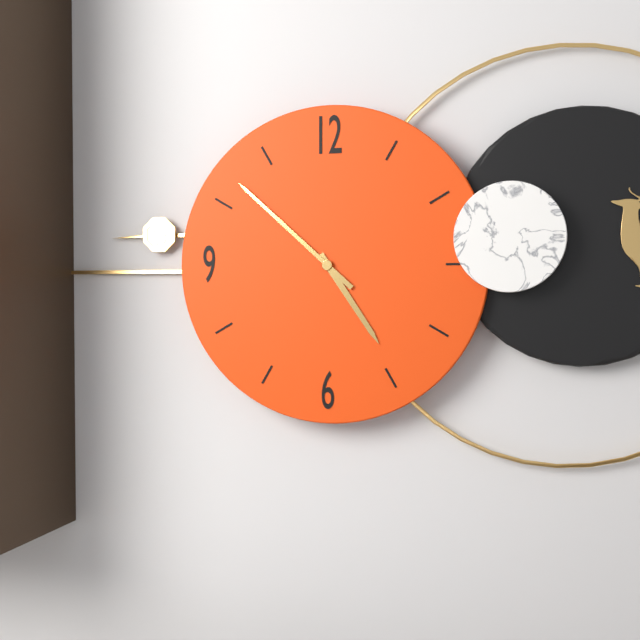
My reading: 4:52
